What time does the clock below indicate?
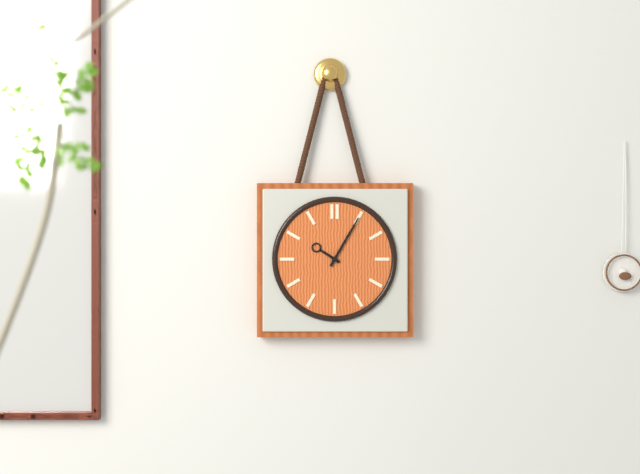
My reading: 10:05
